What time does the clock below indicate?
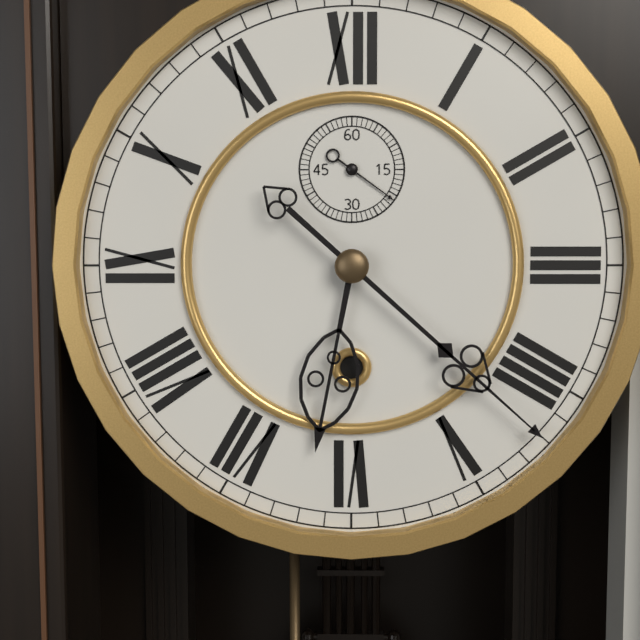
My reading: 6:22:21
